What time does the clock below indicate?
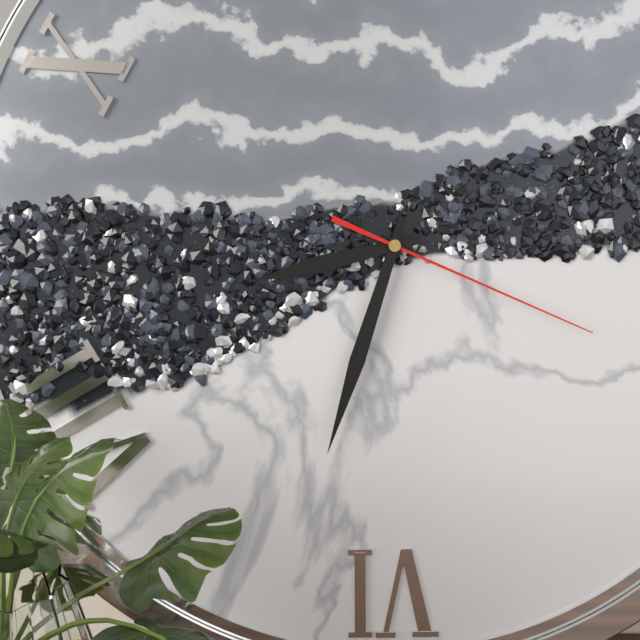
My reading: 8:33:19
